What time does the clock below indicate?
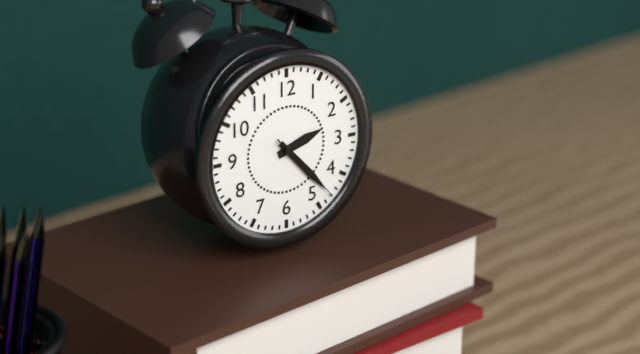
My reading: 2:23:23
